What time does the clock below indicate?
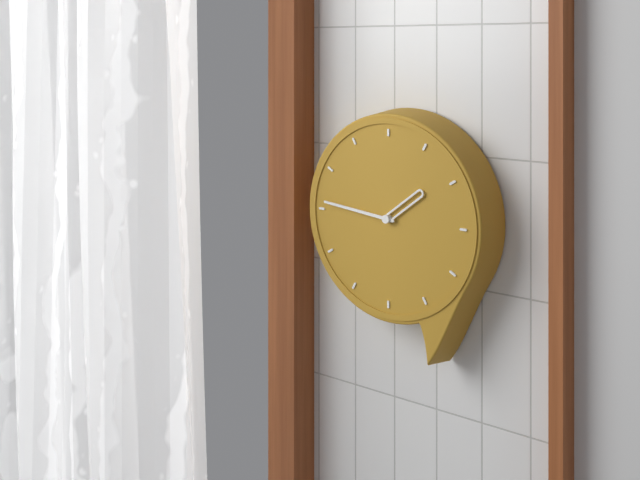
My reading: 1:46
